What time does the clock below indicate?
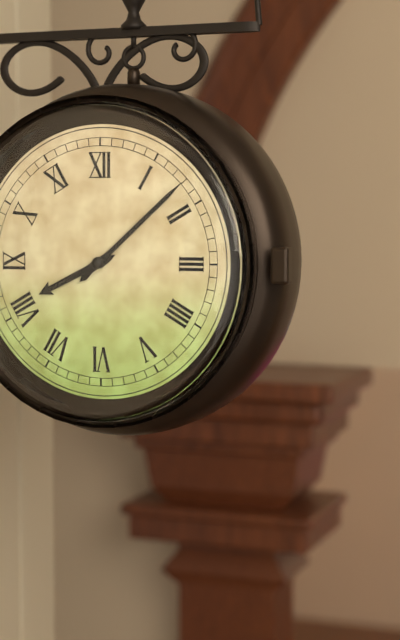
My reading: 8:08
